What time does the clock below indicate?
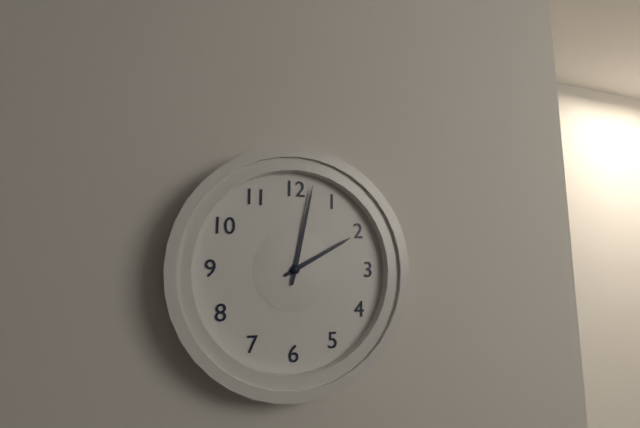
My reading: 2:02
